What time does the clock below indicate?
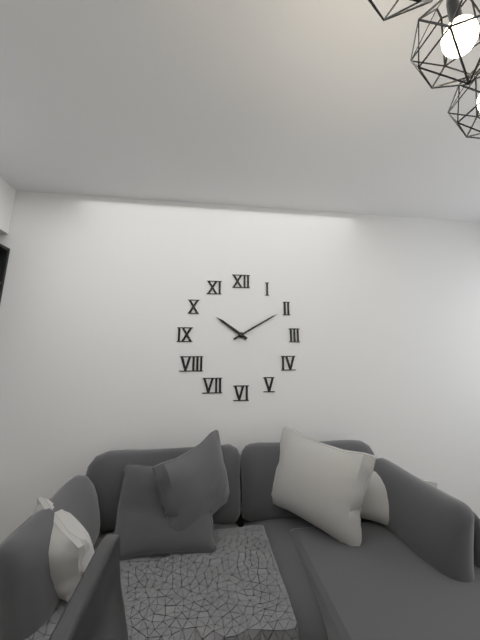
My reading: 10:10
